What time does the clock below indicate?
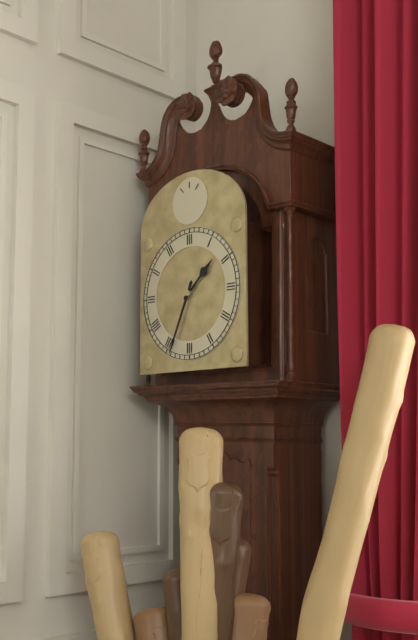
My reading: 1:34
